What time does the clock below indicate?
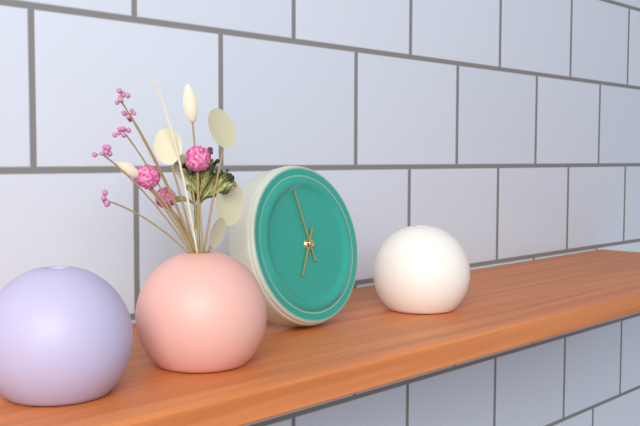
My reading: 6:58
